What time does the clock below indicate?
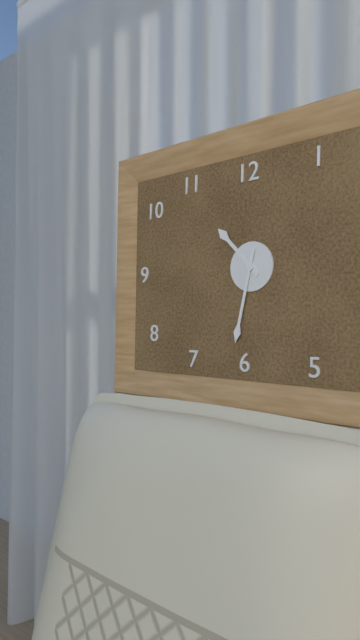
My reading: 10:32
